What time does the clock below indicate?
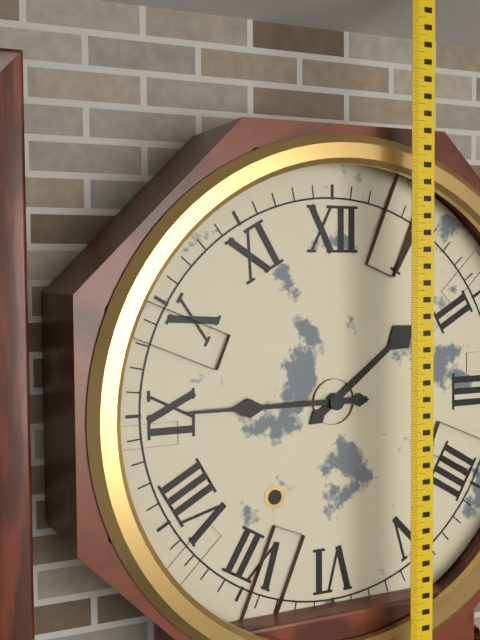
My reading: 1:45
